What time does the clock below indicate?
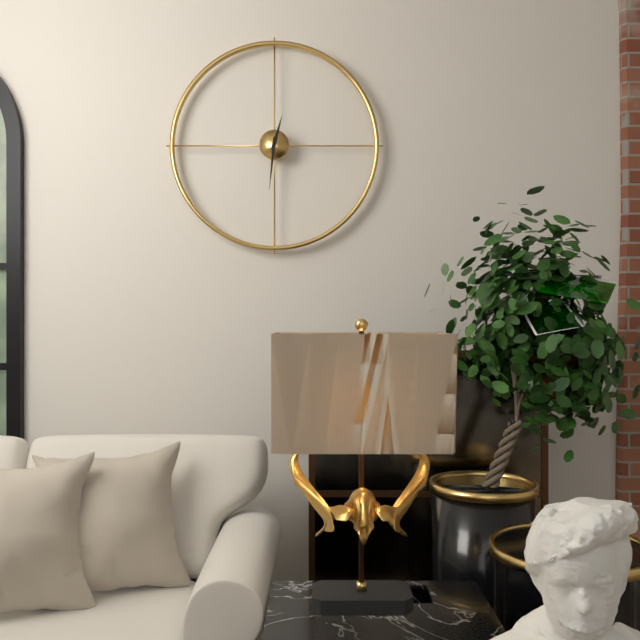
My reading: 12:31
